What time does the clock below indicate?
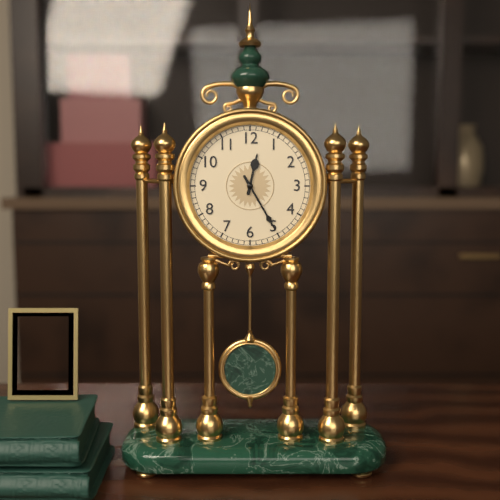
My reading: 12:25
